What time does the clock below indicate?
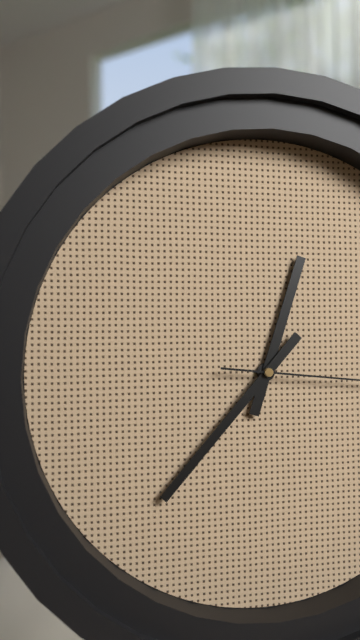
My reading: 12:37
